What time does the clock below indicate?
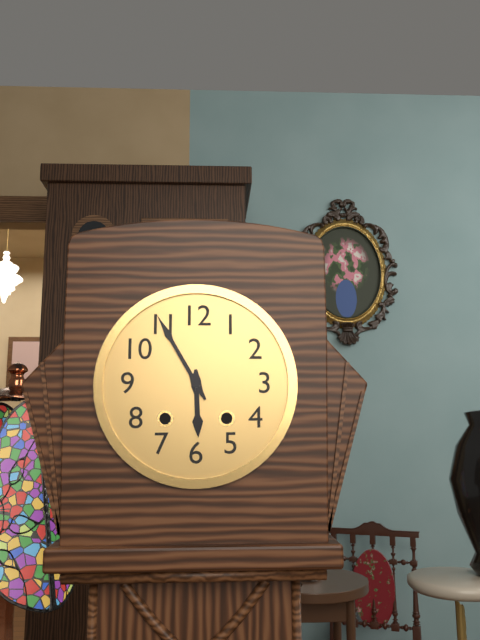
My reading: 5:55
